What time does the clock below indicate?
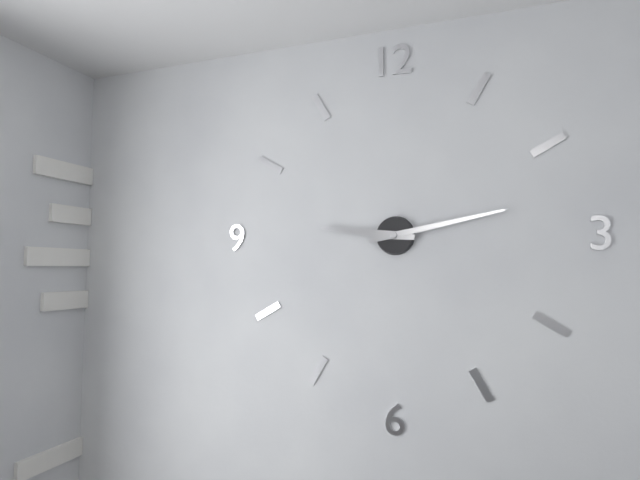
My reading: 9:13
